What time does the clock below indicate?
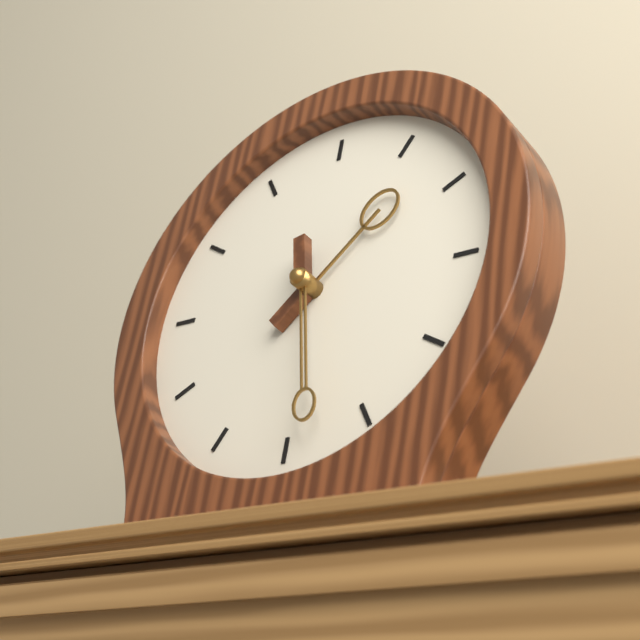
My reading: 1:28
